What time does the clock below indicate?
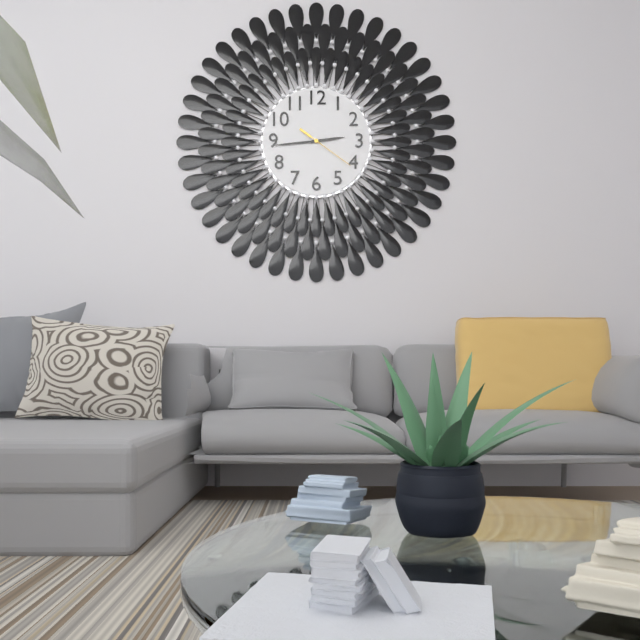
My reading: 2:44:21
